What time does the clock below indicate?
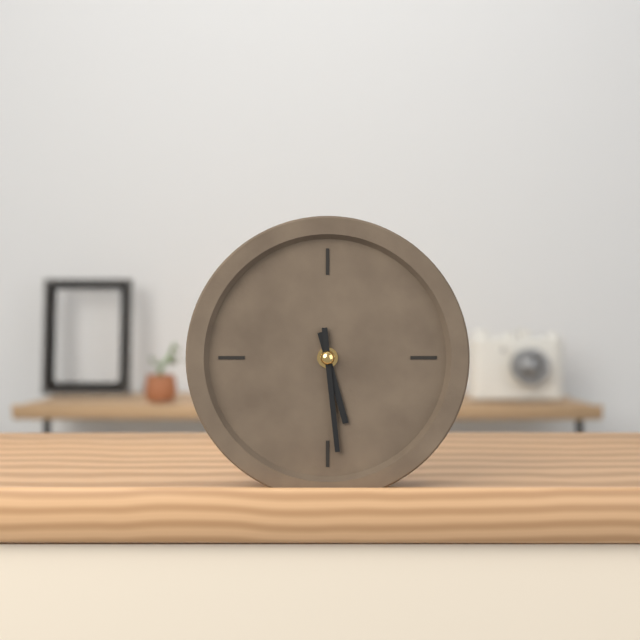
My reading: 5:29
